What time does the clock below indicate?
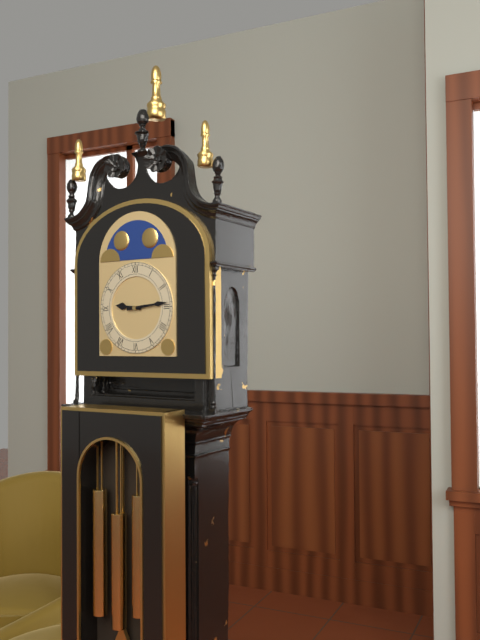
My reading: 9:14
